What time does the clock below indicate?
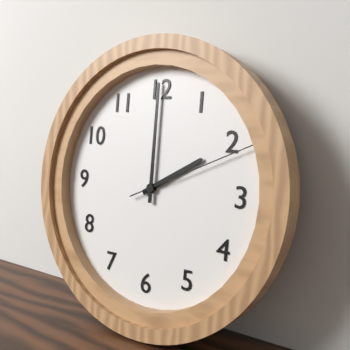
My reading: 2:00:11
